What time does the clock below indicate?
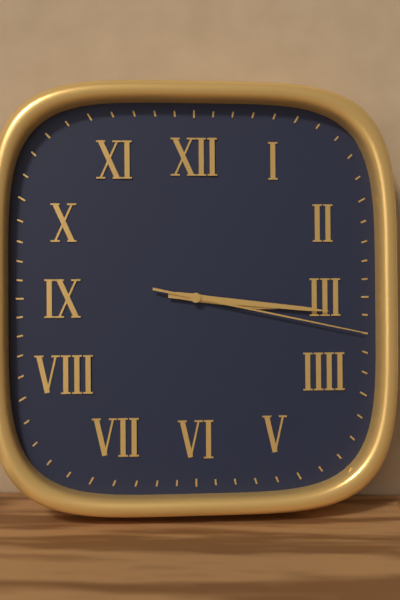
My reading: 3:16:17
